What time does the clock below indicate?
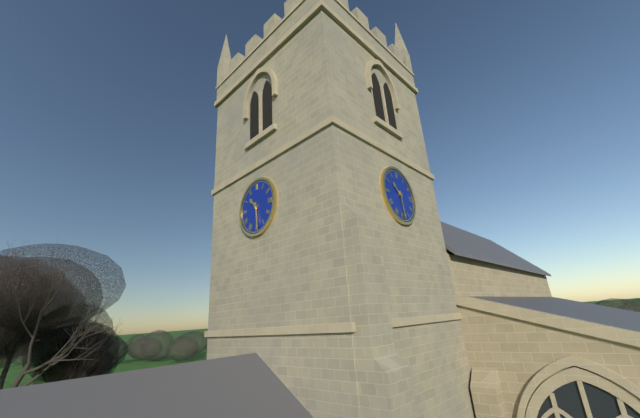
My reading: 10:29
